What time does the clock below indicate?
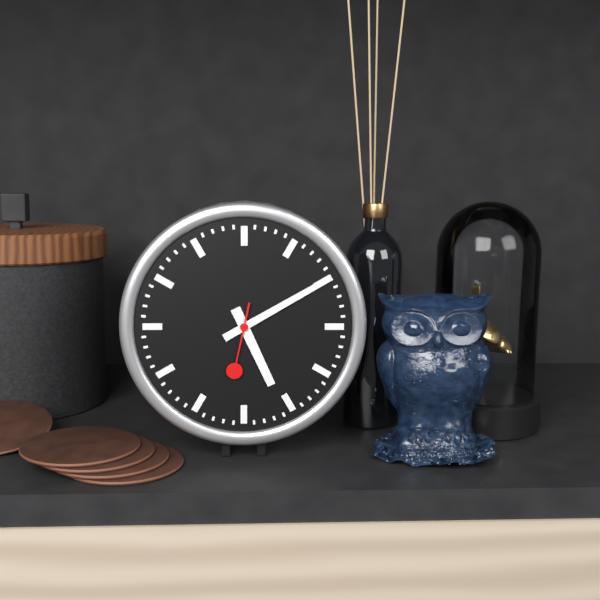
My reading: 5:10:32
